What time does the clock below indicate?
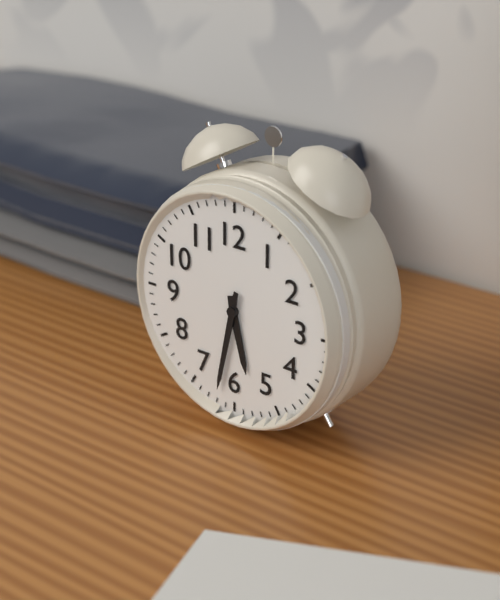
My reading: 5:32
